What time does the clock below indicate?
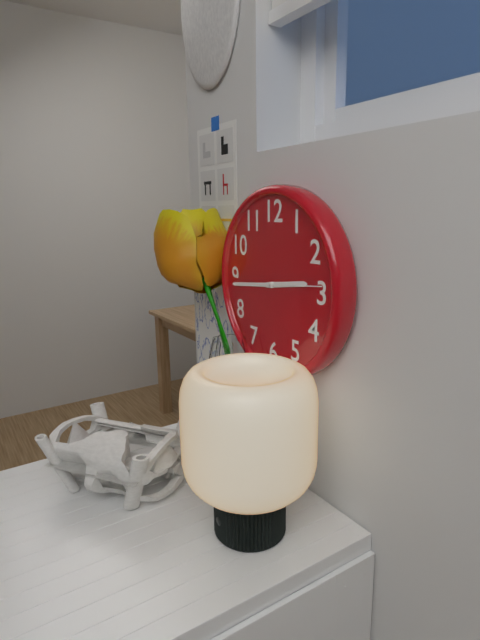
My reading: 2:44
